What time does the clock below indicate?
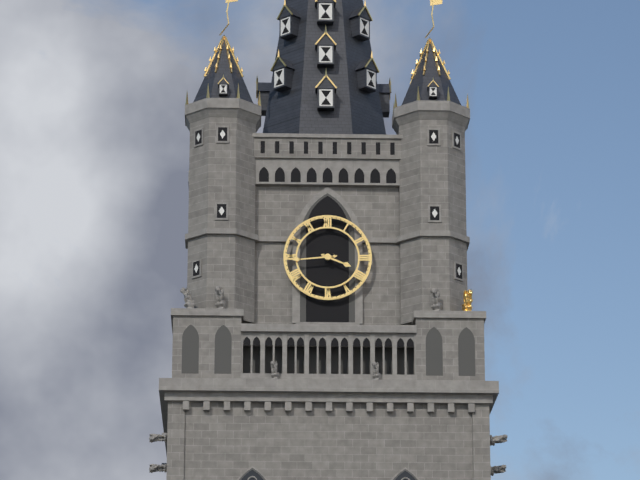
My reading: 3:44
